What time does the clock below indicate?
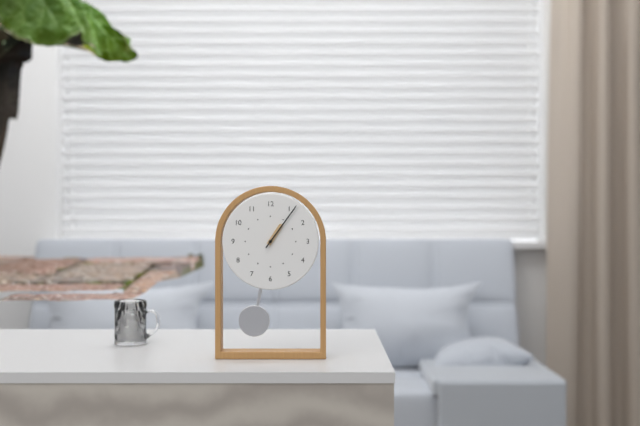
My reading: 1:06
